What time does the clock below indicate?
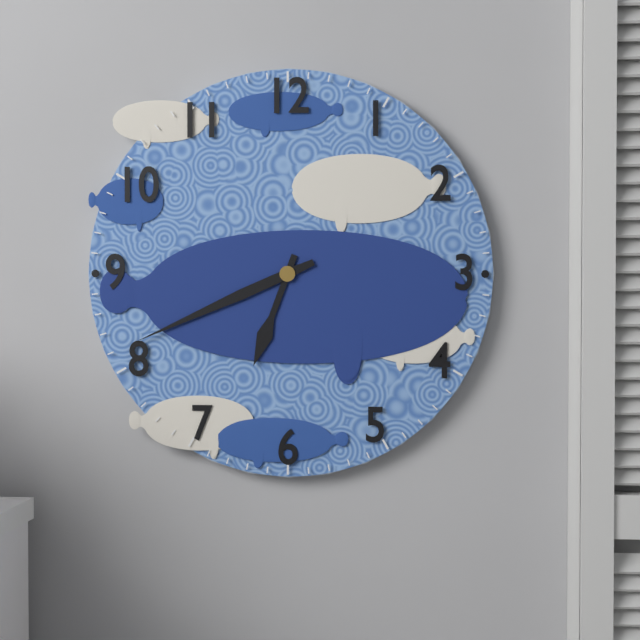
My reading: 6:41
